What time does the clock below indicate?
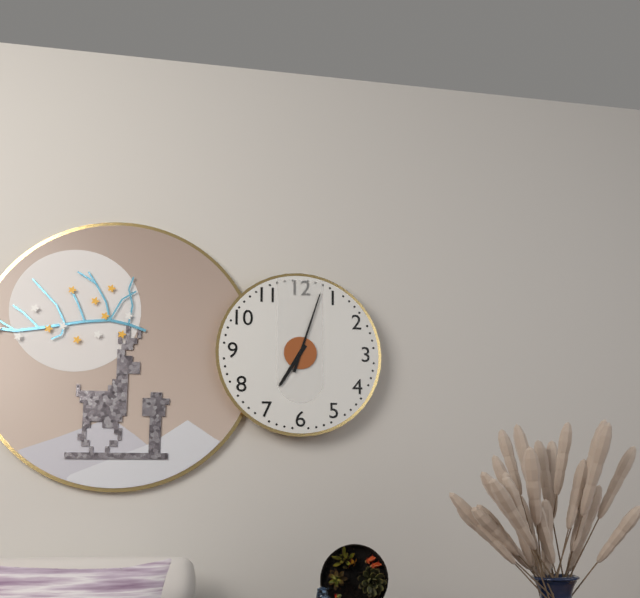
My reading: 7:03
